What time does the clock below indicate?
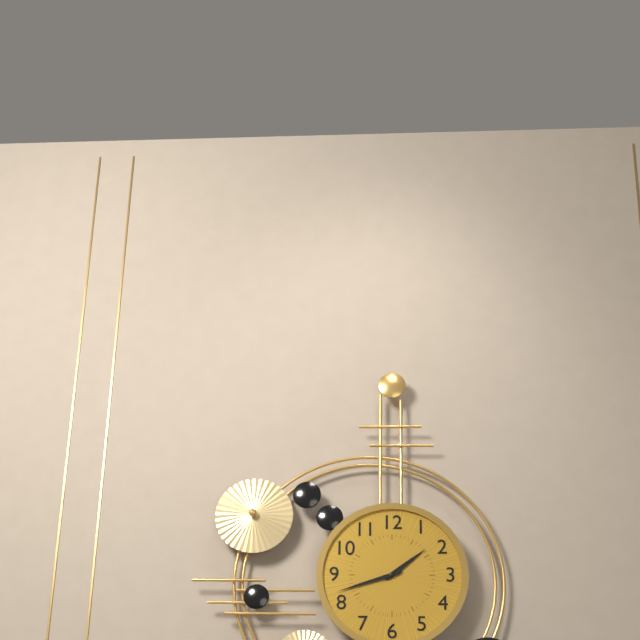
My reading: 1:42
